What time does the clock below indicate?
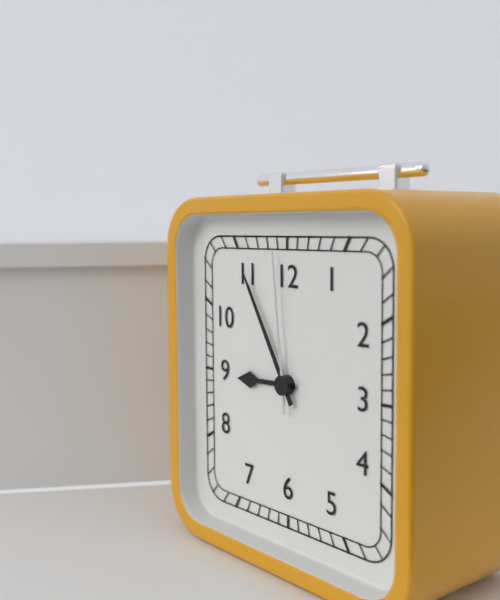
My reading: 8:55:59
